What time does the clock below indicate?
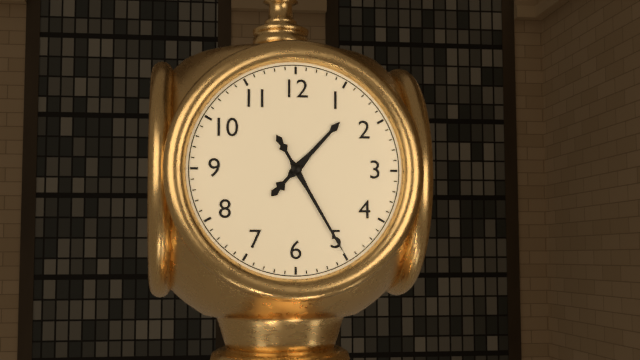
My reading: 1:25
